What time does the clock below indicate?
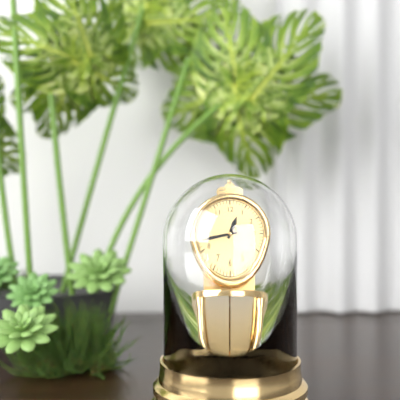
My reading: 12:43
